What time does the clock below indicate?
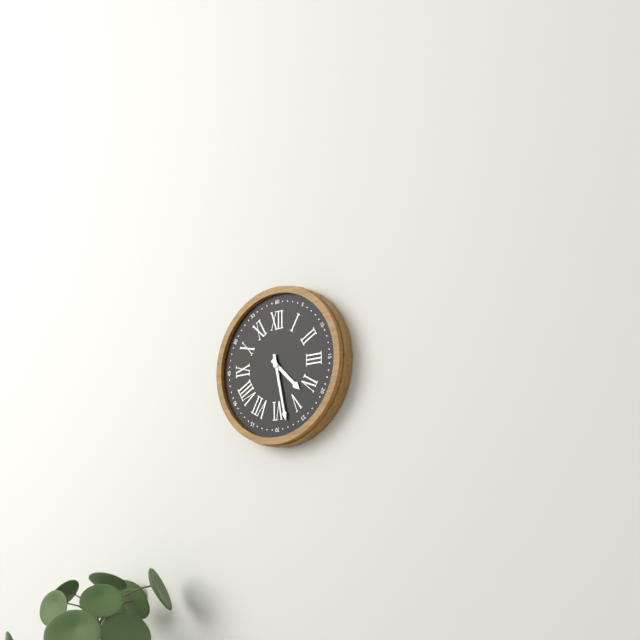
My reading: 4:28
